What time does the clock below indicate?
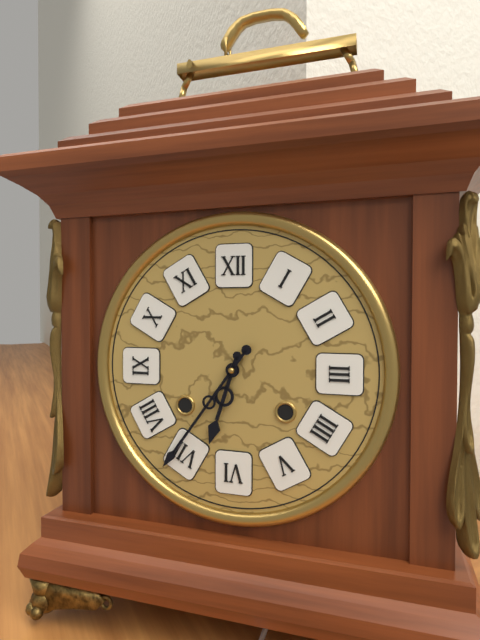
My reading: 6:36
